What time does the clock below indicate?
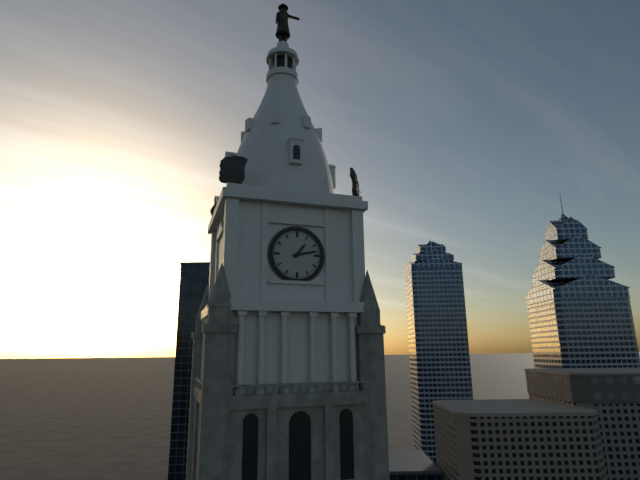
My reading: 1:13
